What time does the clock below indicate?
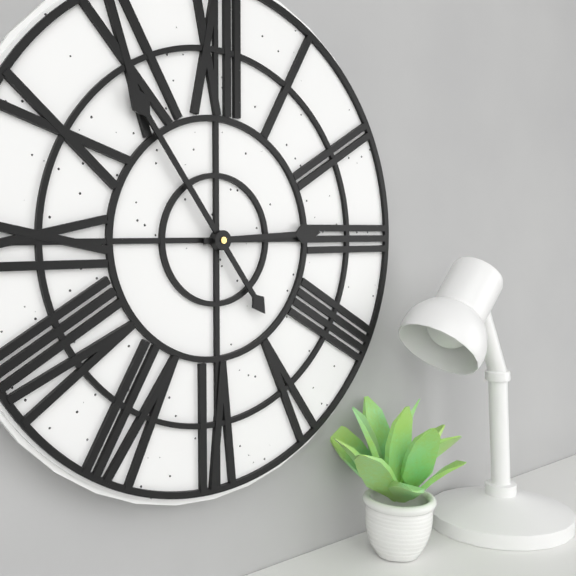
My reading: 2:54
